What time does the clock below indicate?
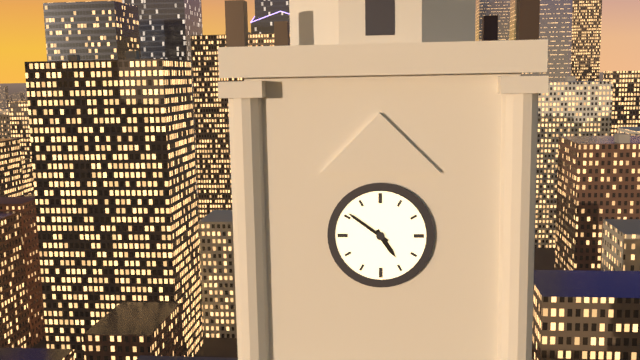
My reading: 4:51
